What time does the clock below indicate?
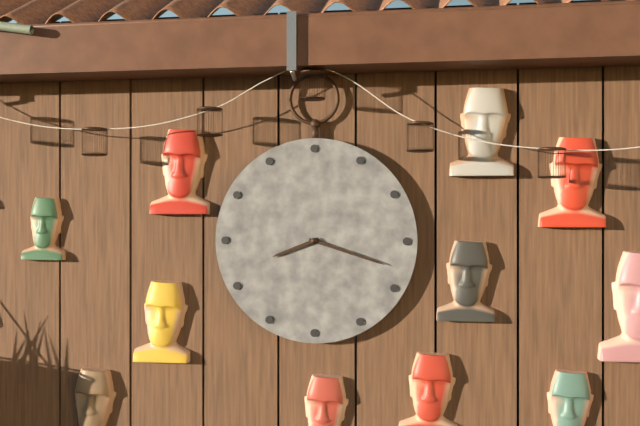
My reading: 8:18
